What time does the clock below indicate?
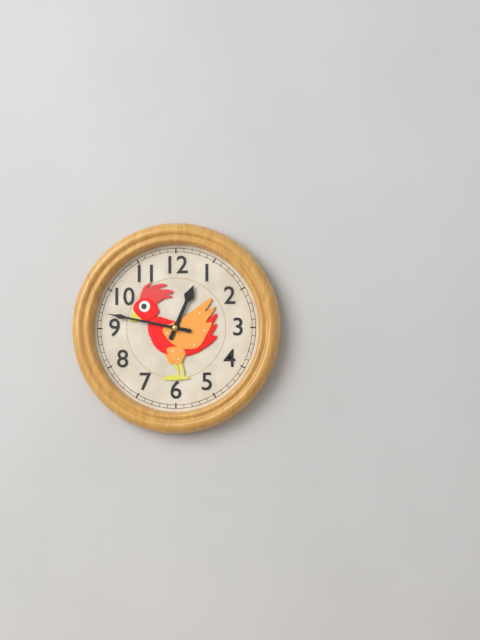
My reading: 12:47
